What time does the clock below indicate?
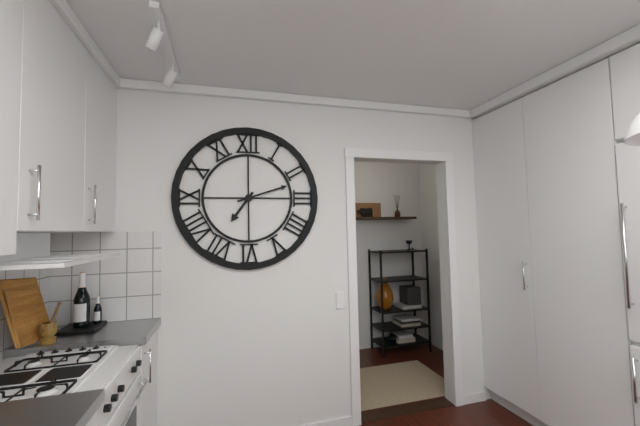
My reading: 7:12
